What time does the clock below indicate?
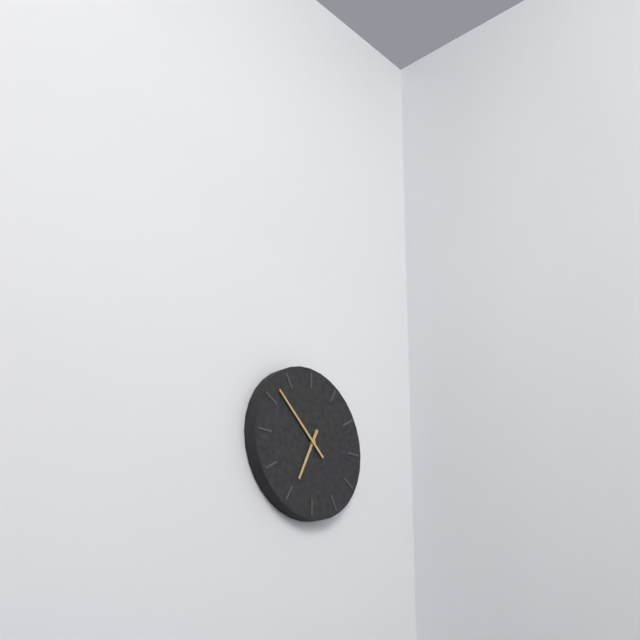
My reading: 6:52
